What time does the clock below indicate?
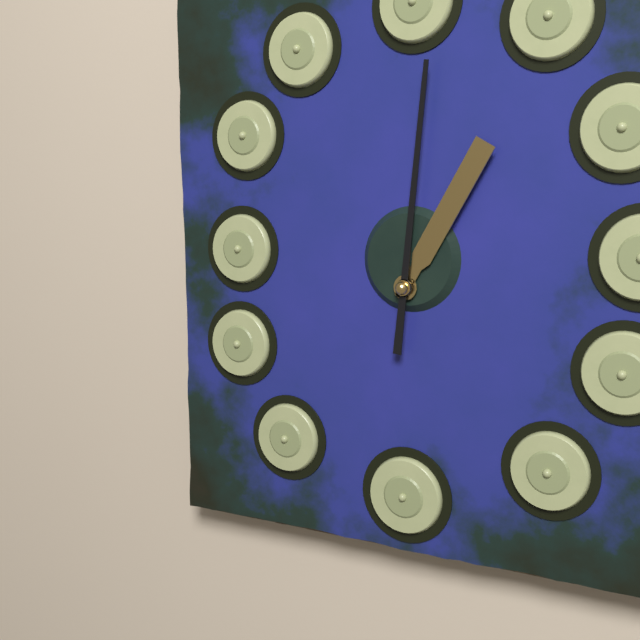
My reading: 1:01
